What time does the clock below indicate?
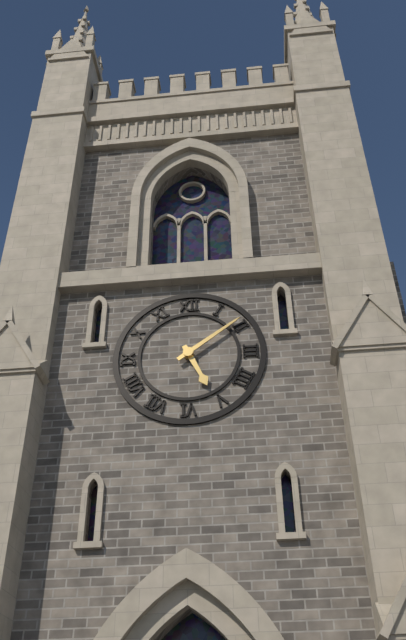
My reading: 5:09
